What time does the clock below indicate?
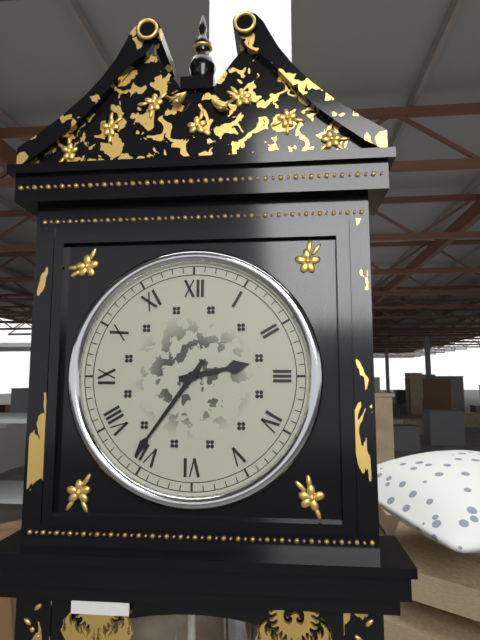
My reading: 2:36
